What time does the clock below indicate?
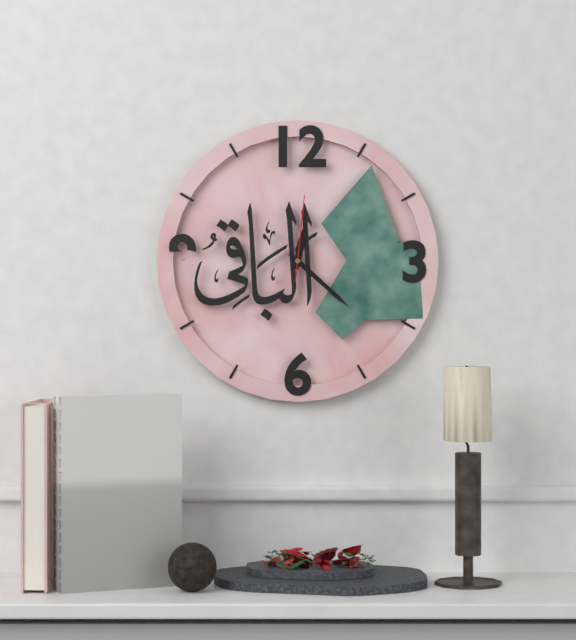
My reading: 12:22:01
